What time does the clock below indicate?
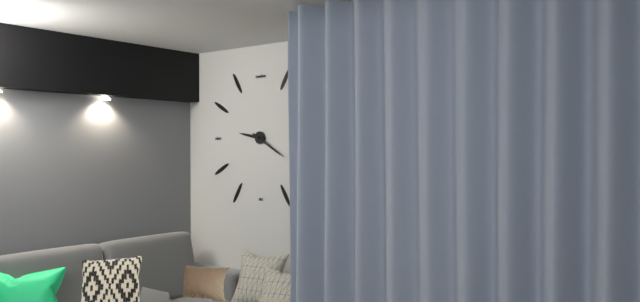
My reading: 9:20
